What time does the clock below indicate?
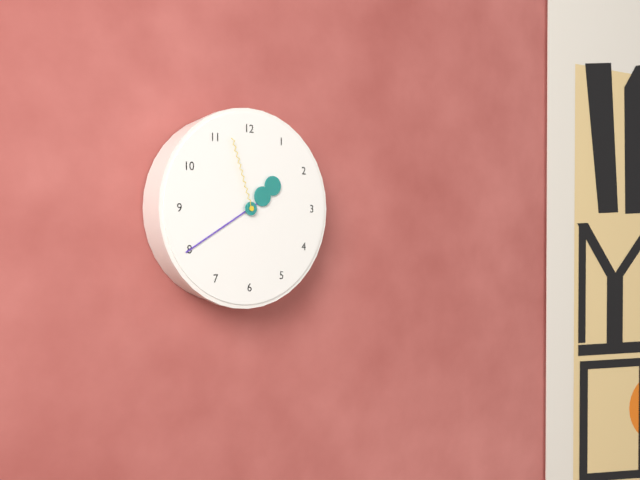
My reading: 1:40:57
